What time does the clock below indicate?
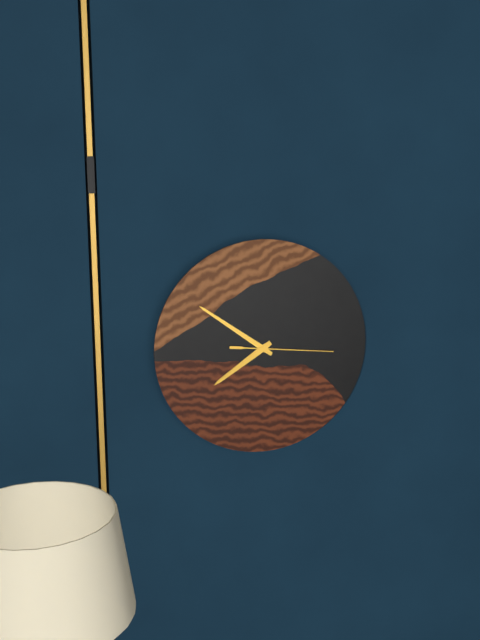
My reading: 7:51:16
